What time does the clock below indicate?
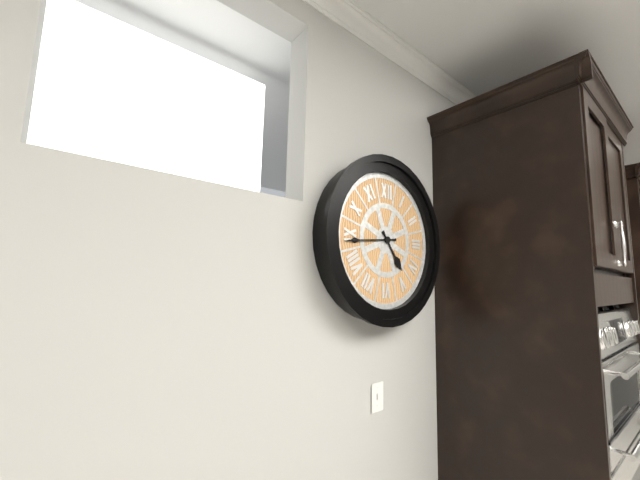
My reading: 4:44
